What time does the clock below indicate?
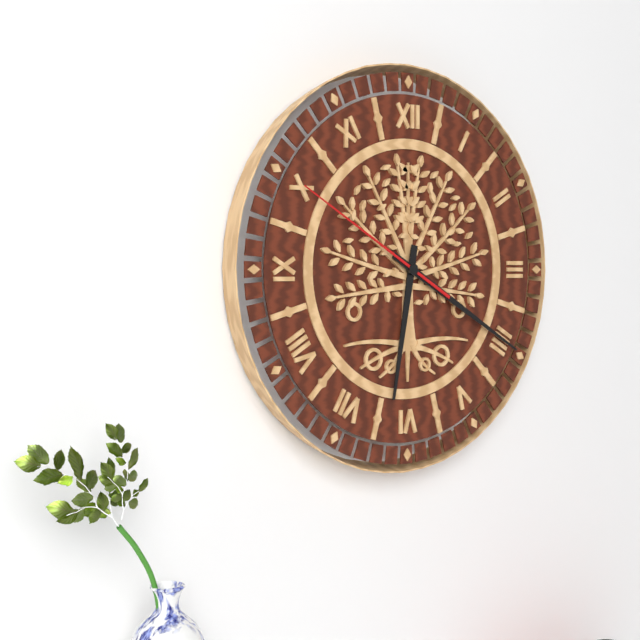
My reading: 6:20:50
